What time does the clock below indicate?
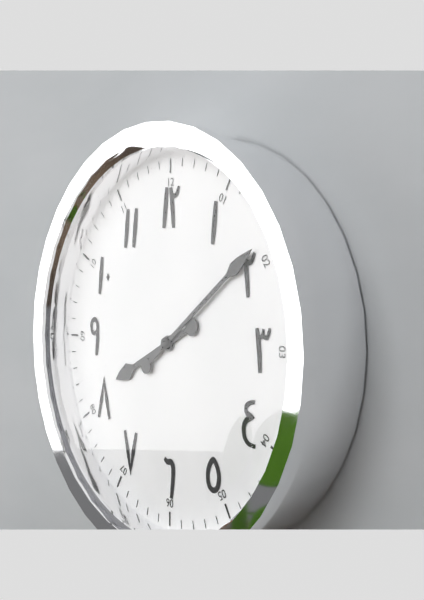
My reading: 8:09
